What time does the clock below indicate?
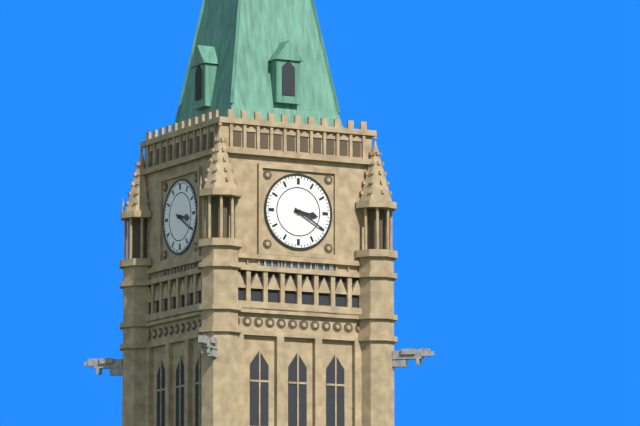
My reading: 3:20
